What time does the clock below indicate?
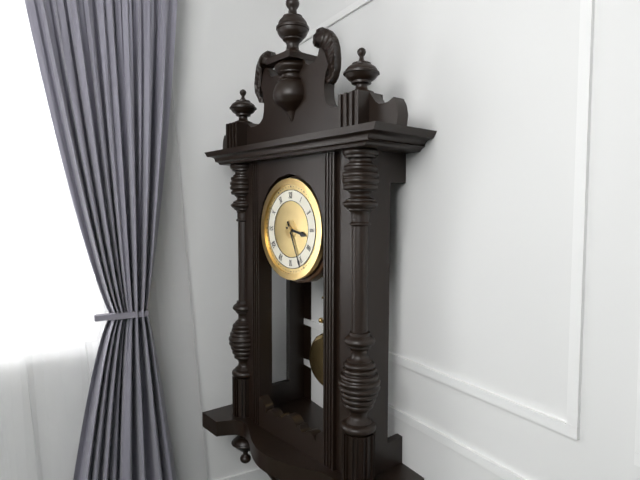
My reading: 3:26
